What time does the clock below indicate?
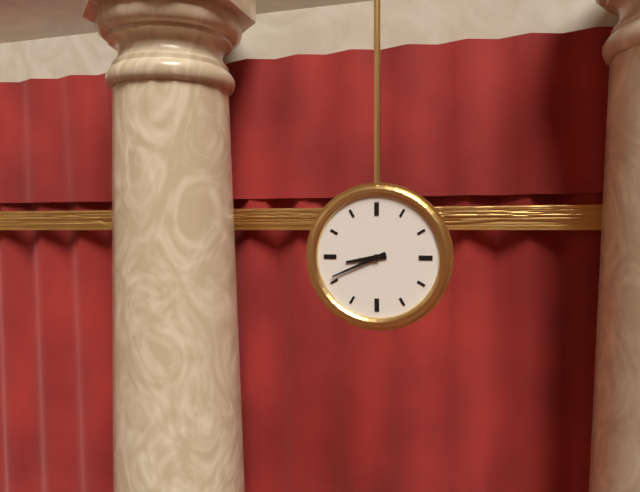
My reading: 8:41
